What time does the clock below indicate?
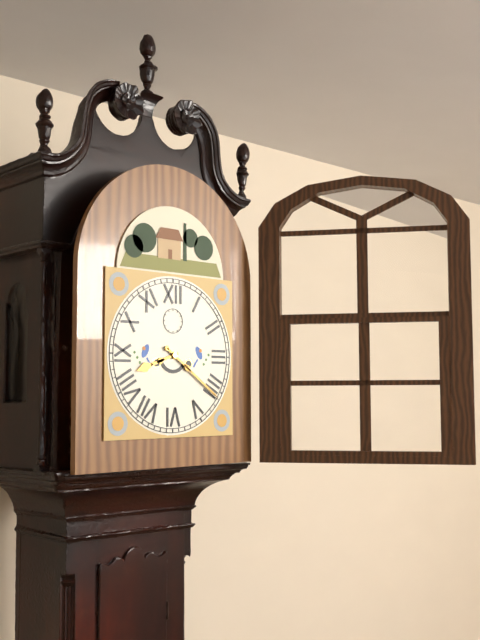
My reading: 8:21
